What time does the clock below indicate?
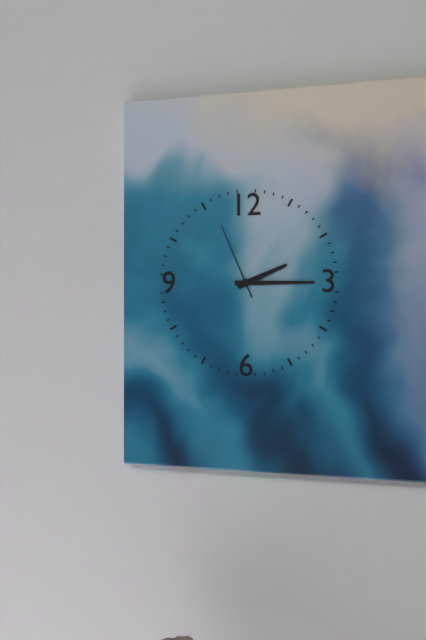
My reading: 2:15:56
